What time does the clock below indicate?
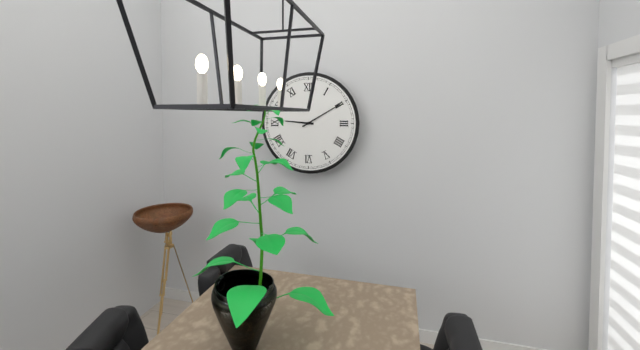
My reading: 9:10
